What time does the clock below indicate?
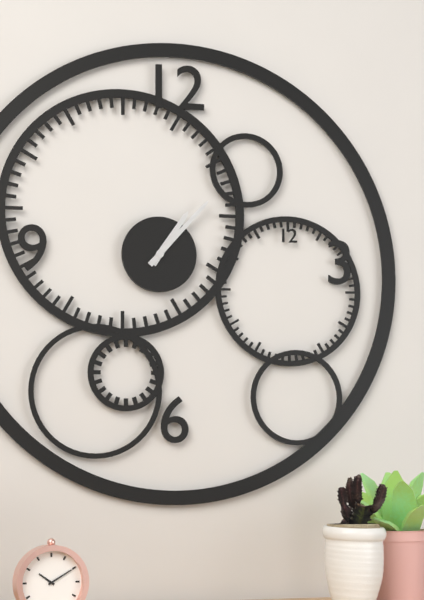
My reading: 1:07
